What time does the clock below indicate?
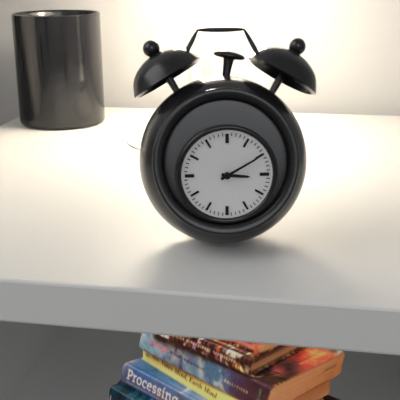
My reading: 3:10
